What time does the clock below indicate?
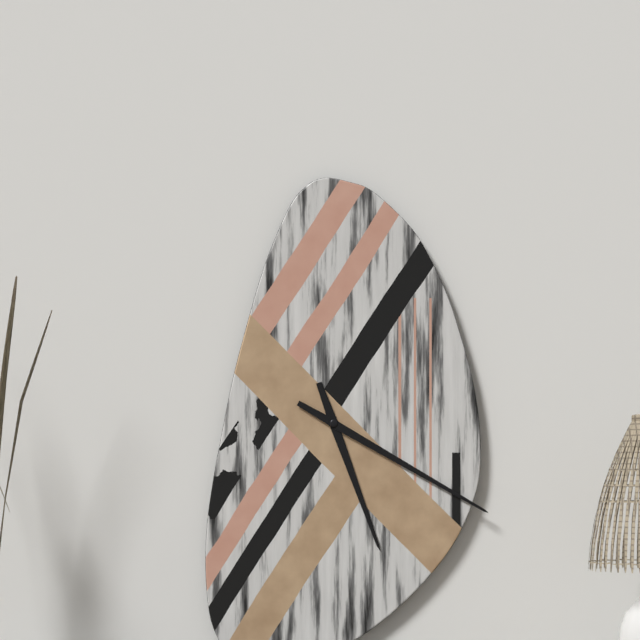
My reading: 5:20
